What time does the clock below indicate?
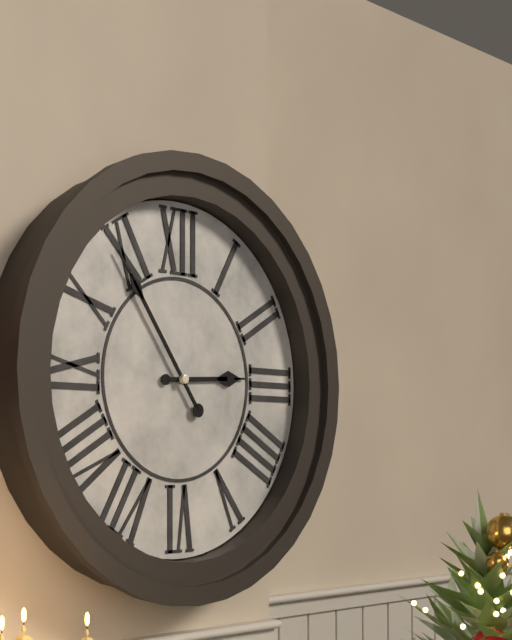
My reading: 2:54
